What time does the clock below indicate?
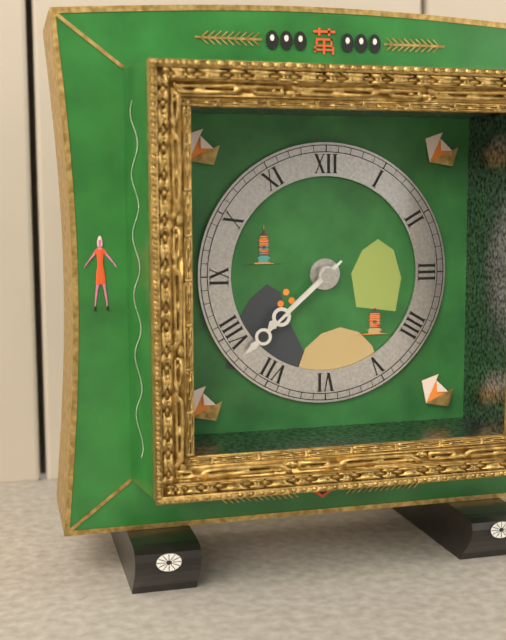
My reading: 7:38
